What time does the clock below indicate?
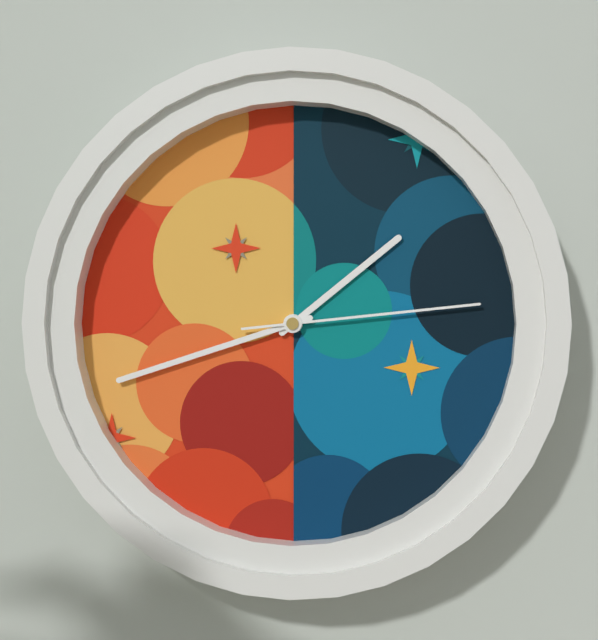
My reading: 1:42:14
